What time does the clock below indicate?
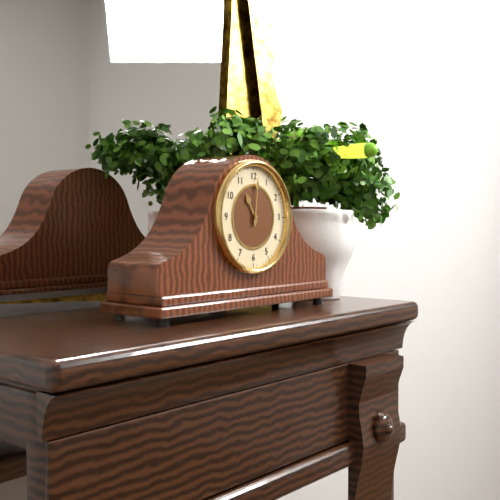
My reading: 11:01
